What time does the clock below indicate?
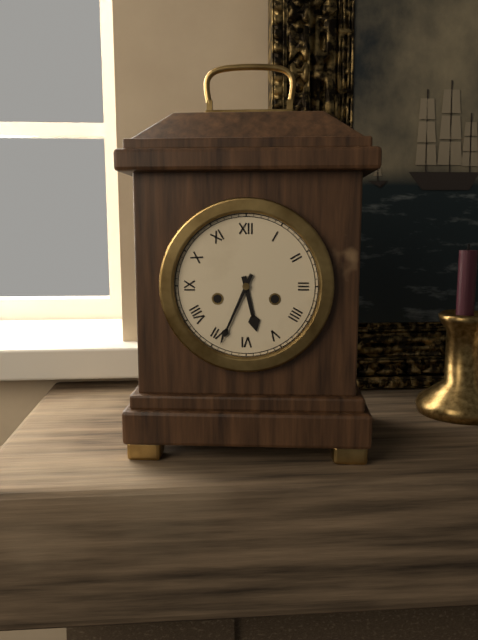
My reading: 5:34
